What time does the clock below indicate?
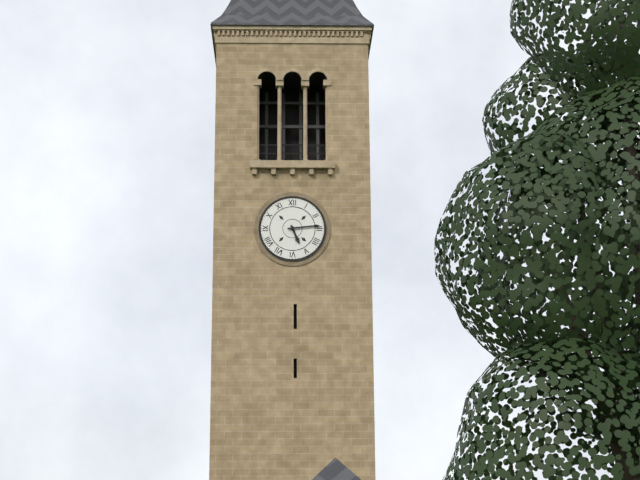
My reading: 5:14
